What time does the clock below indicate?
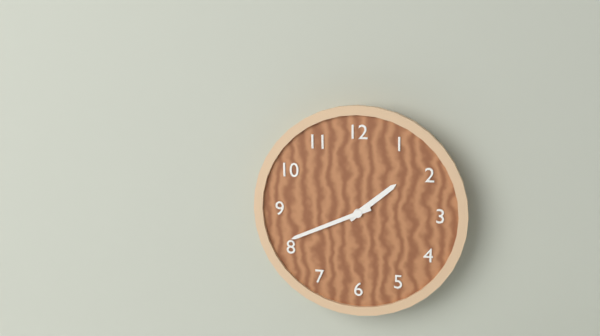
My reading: 1:41
